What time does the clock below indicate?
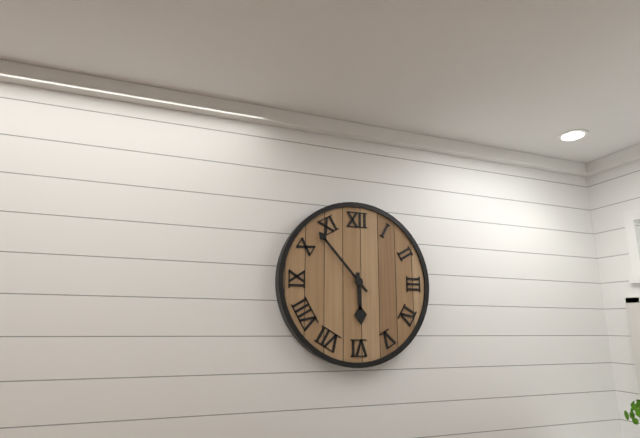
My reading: 5:53
